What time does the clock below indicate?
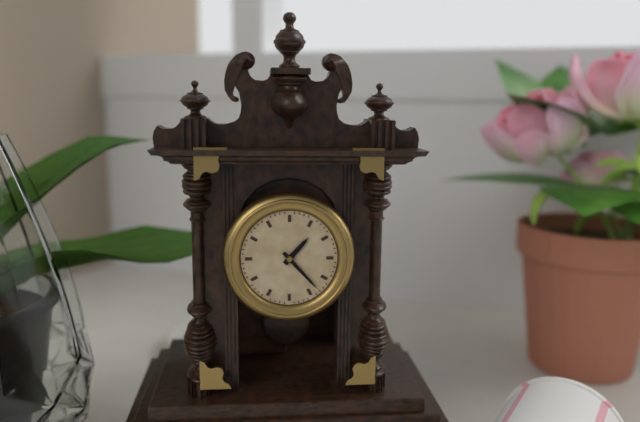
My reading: 1:23
